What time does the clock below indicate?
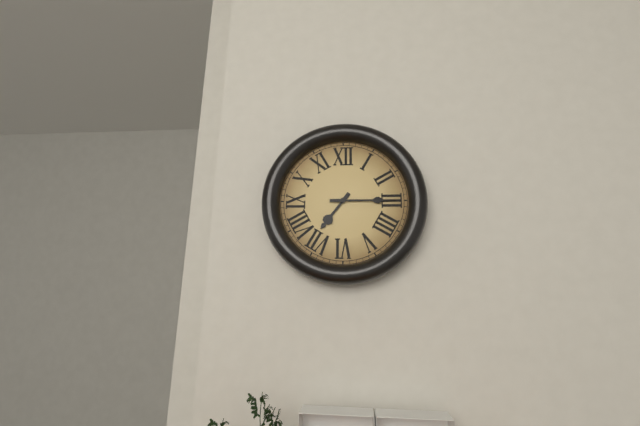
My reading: 7:15
